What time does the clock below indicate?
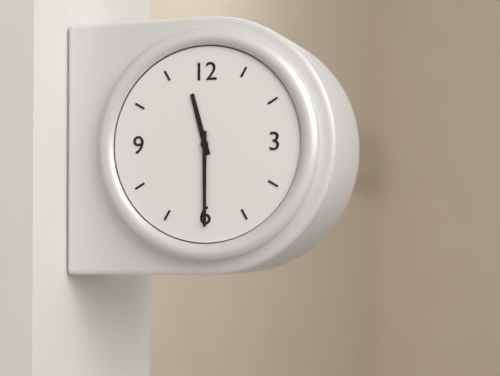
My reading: 11:30
